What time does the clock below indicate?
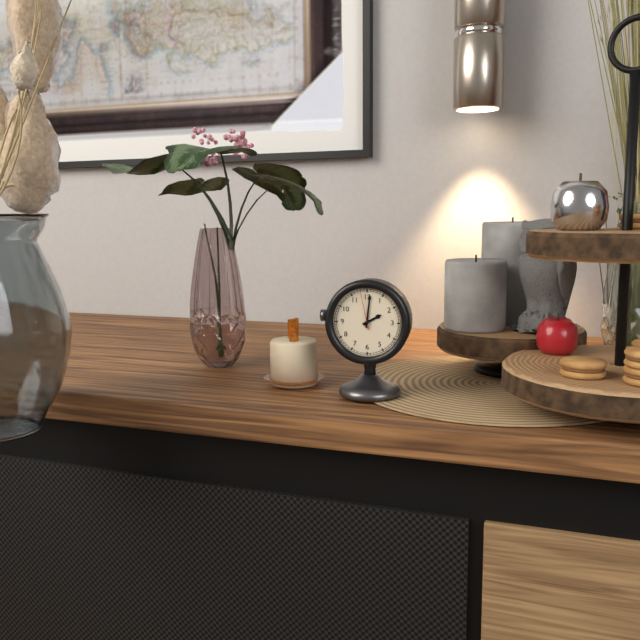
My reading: 2:01
